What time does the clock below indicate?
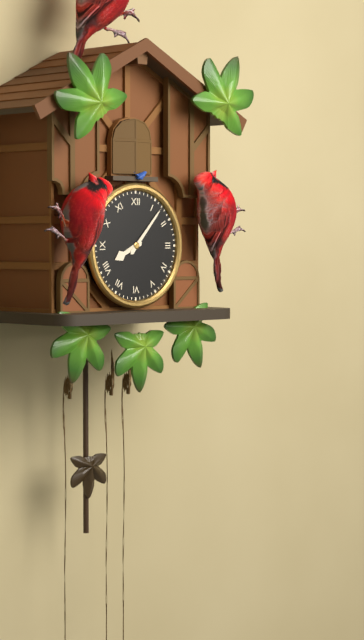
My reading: 8:07
